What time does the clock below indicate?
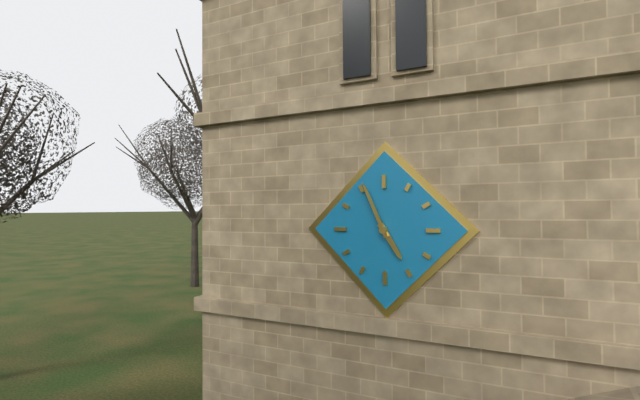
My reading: 4:56
